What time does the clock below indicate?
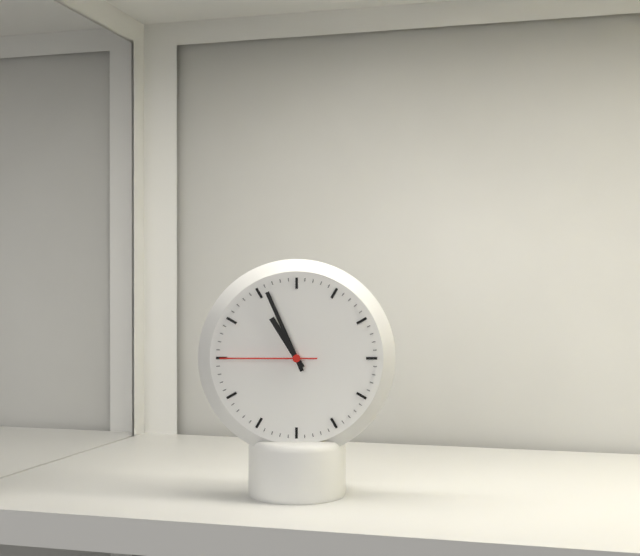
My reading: 10:56:45
